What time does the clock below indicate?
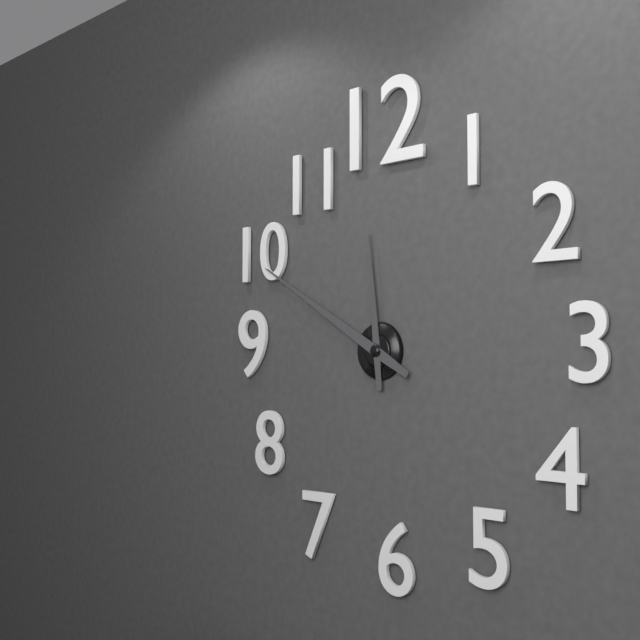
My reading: 11:50
